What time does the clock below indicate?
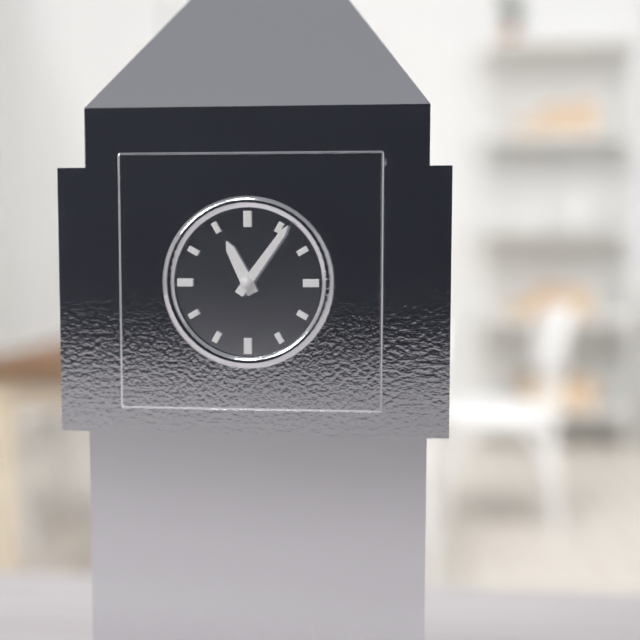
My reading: 11:06
